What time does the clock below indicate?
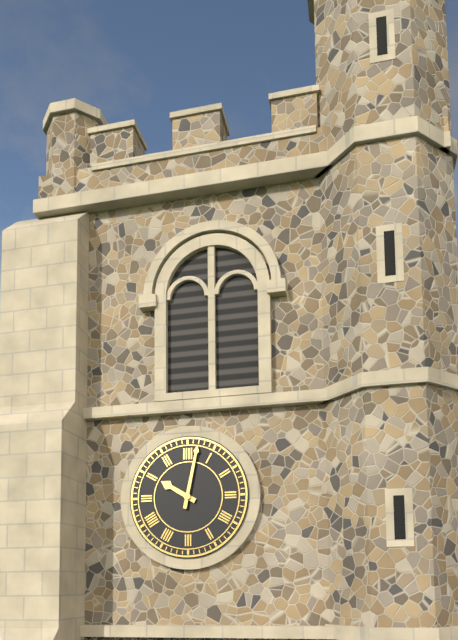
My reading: 10:02
